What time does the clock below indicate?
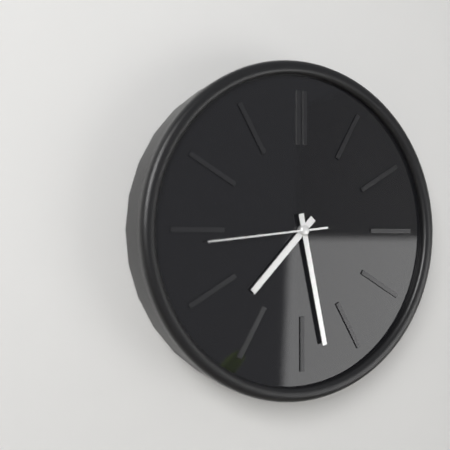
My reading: 7:28:44
